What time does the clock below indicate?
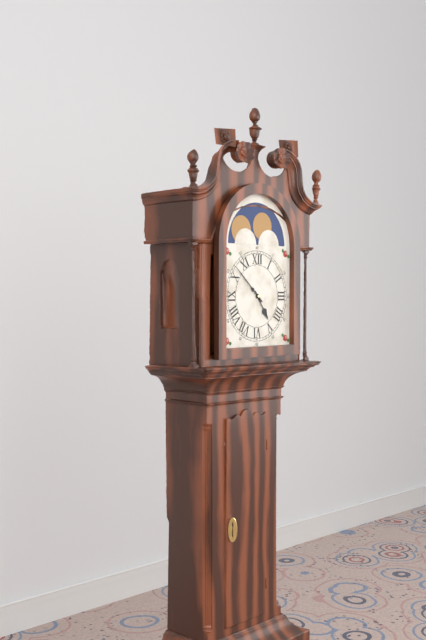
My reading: 4:52
